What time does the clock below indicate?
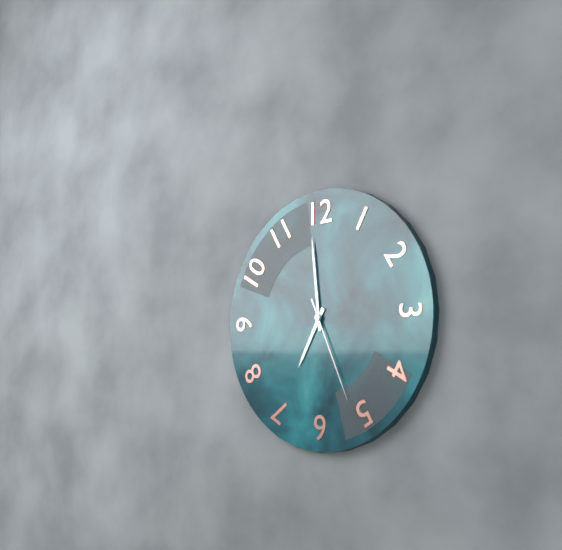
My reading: 6:59:26
